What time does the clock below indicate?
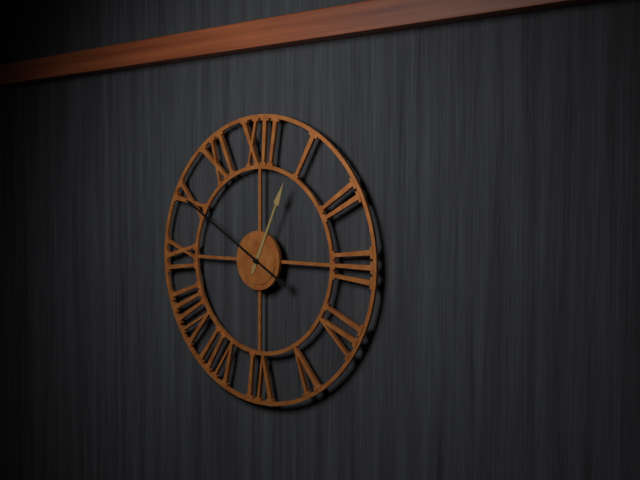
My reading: 12:50
